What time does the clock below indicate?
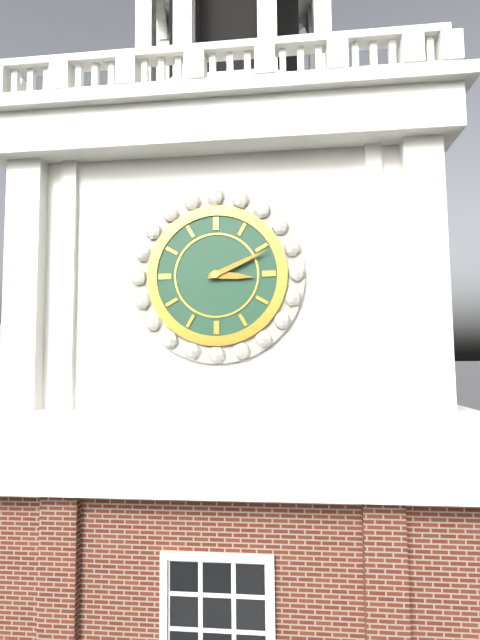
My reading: 3:11
